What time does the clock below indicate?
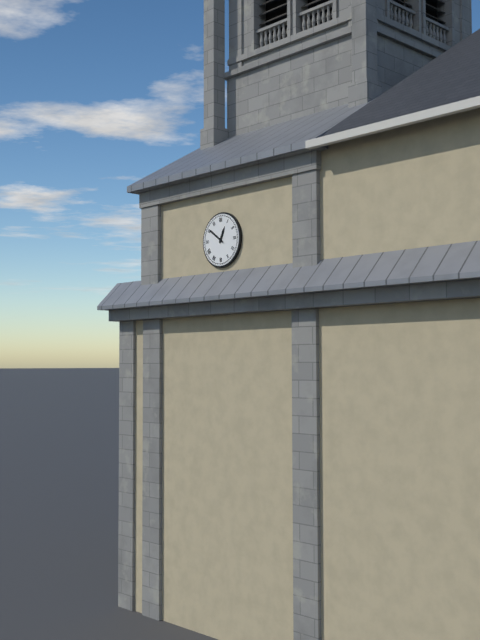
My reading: 12:51
